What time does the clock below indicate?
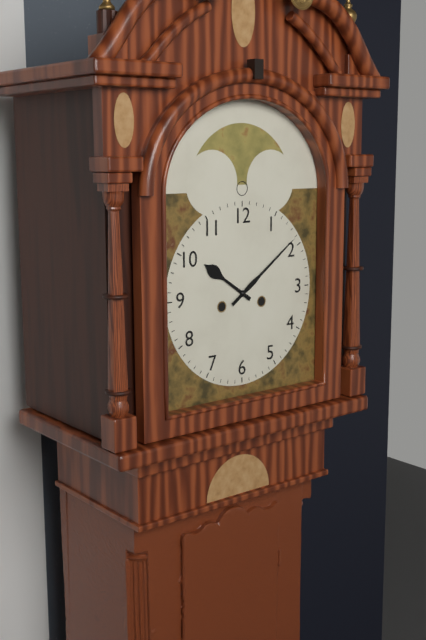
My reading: 10:09
